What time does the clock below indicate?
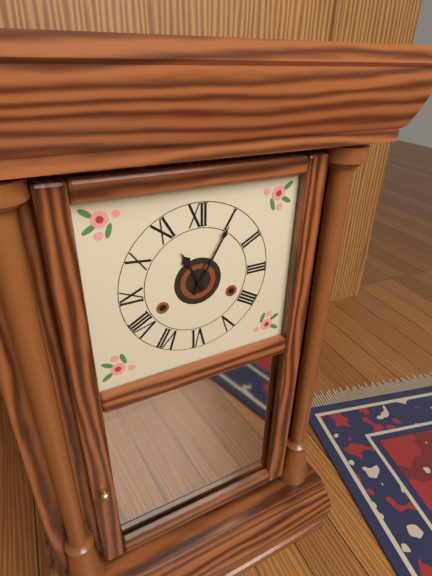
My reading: 11:05
